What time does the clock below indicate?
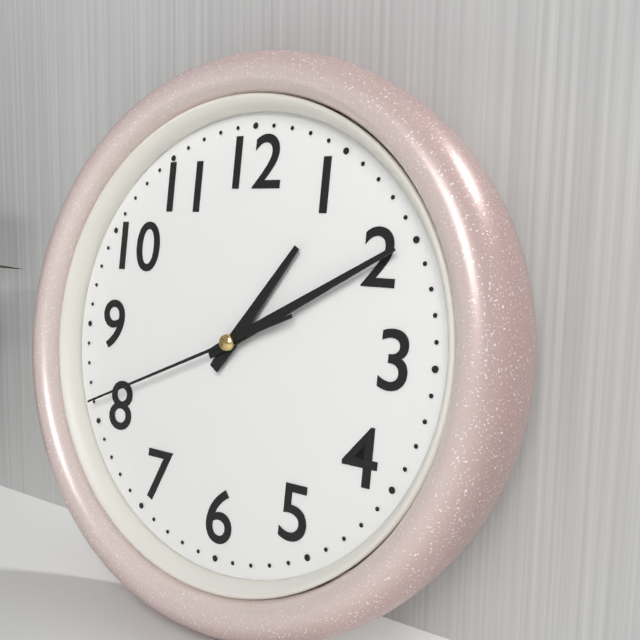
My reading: 1:10:41
